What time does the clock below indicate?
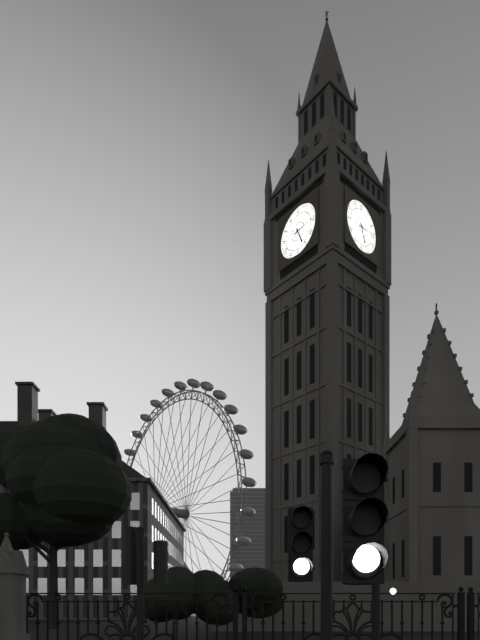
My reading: 5:14
